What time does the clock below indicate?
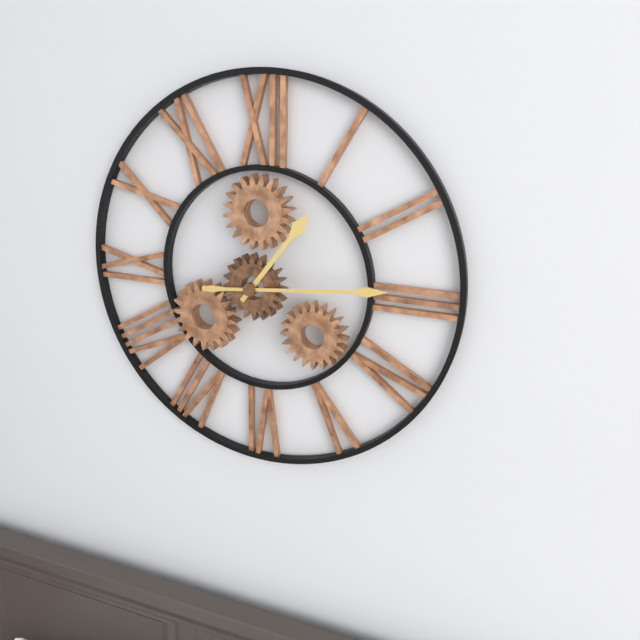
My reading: 1:14
